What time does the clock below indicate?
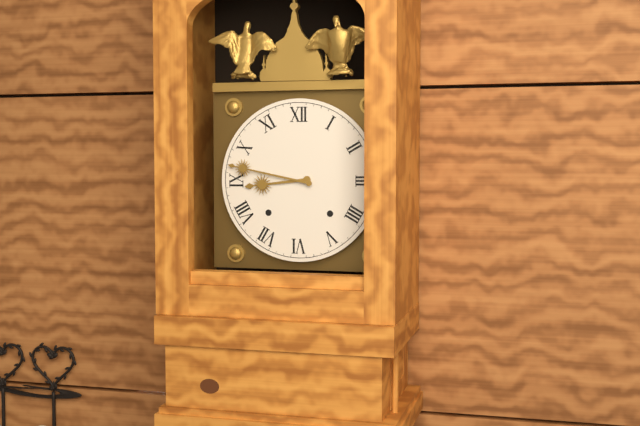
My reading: 8:47
